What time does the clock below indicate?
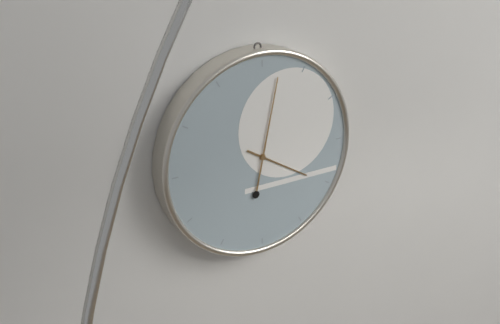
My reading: 4:02
